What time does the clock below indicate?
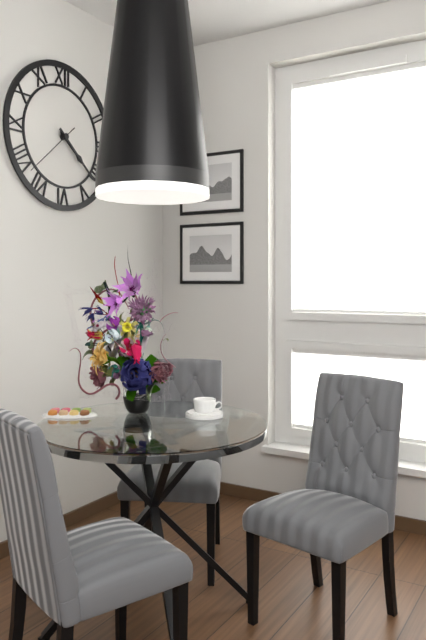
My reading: 4:22:38
